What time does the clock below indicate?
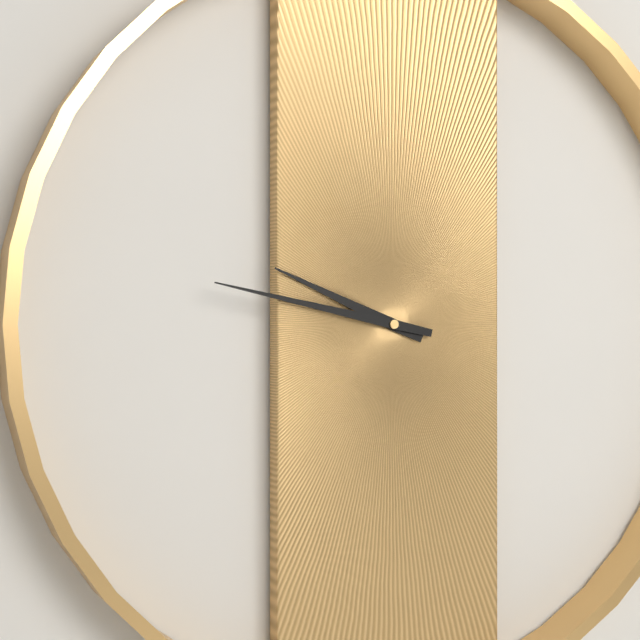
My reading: 9:47
